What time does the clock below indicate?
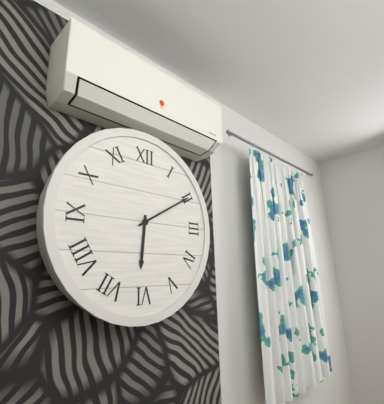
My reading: 6:10
